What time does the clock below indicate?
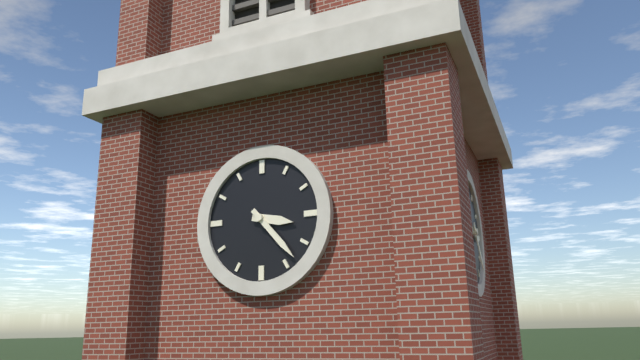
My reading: 3:23
